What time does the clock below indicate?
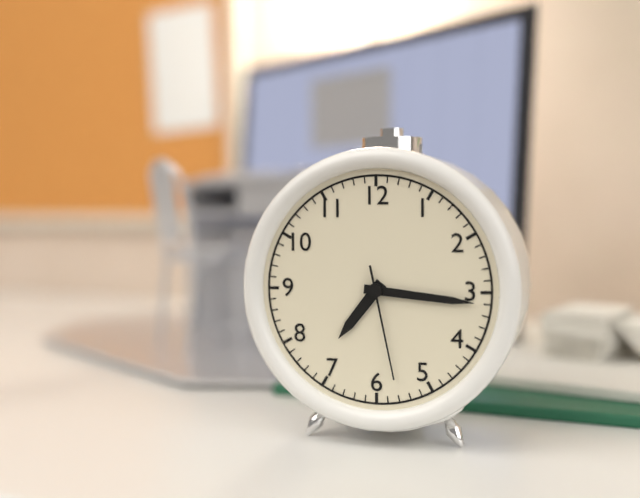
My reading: 7:16:28
